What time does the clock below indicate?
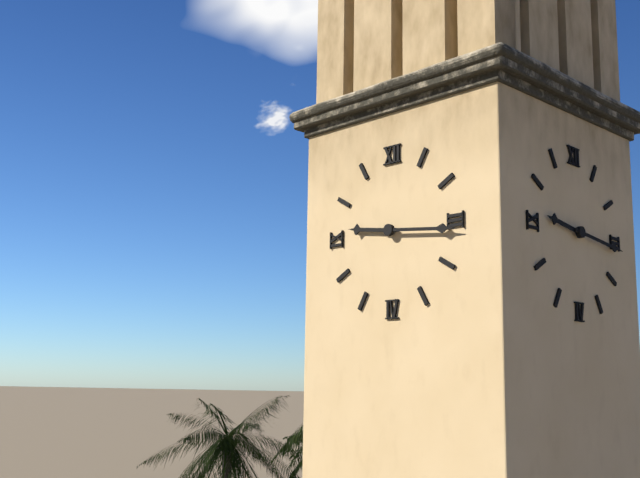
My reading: 9:16
